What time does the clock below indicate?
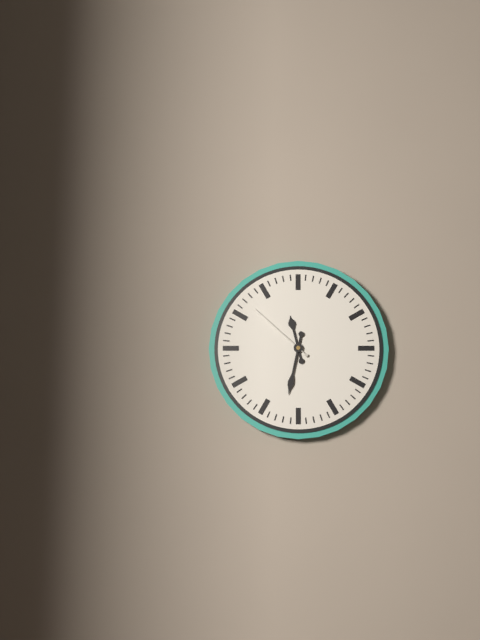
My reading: 11:32:52
